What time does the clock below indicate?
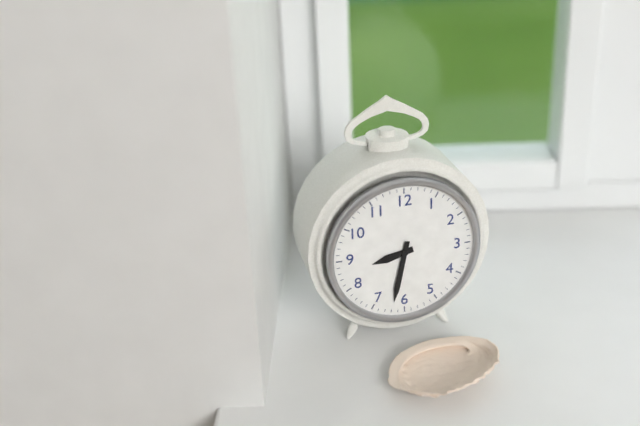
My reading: 8:32
